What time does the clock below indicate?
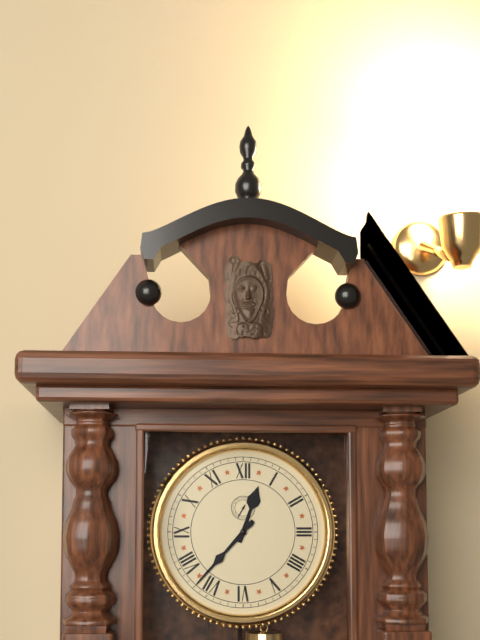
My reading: 12:37
